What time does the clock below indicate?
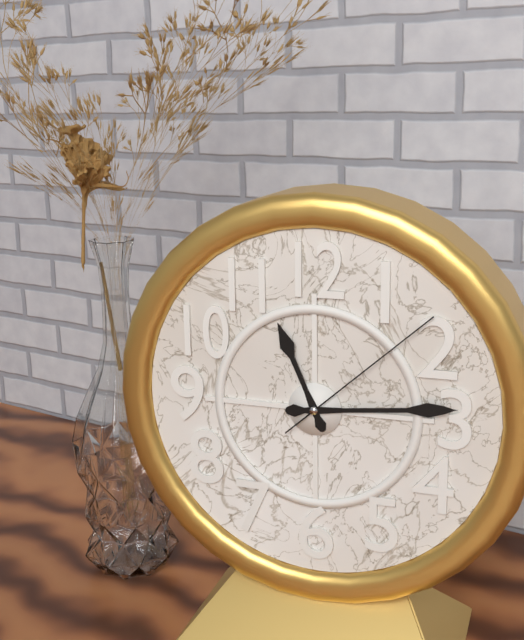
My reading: 11:14:08
